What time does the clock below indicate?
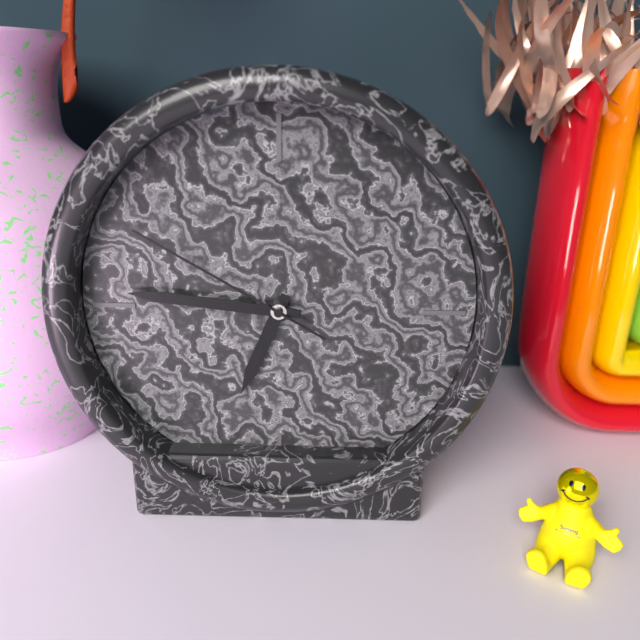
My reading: 6:46:50
